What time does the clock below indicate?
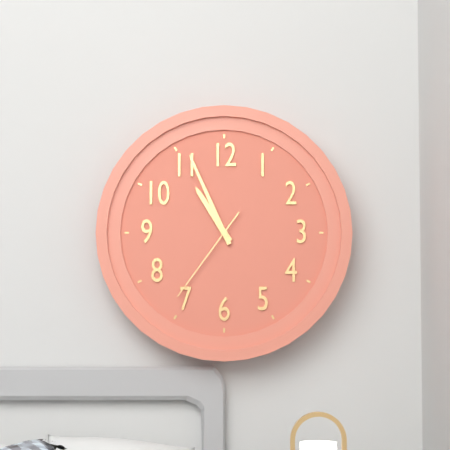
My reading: 10:56:36
